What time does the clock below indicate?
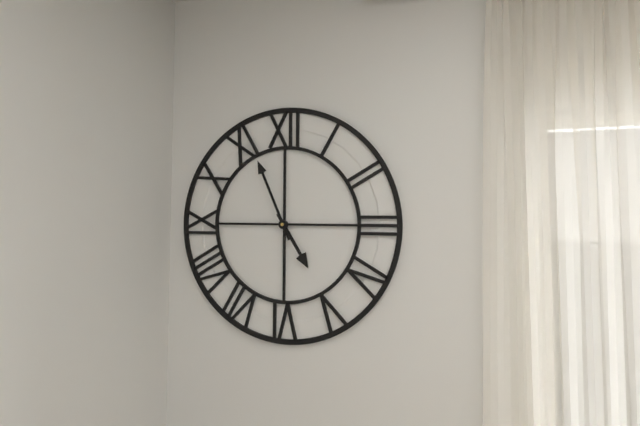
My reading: 4:56
